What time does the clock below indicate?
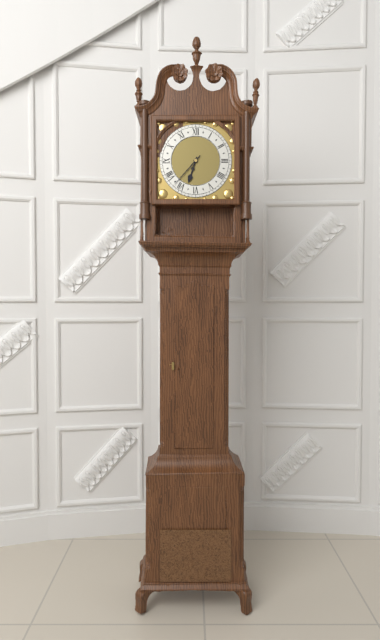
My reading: 6:37
